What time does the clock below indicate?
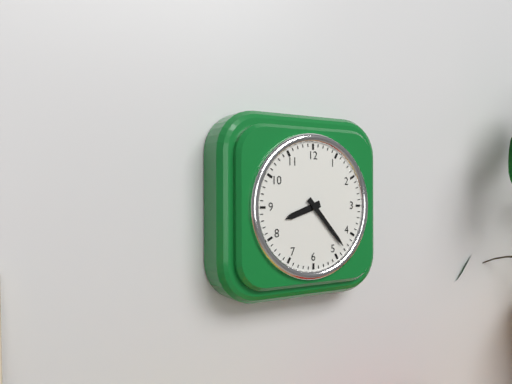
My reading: 8:23
